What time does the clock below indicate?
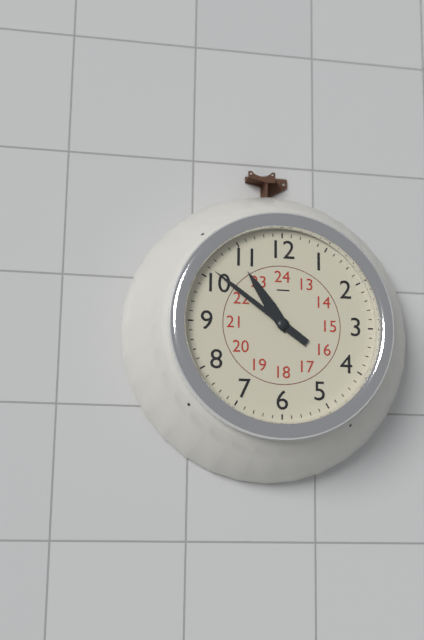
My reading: 10:51
